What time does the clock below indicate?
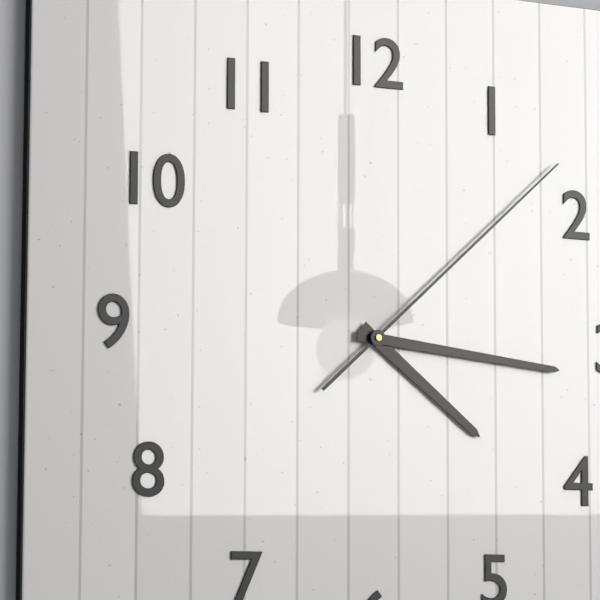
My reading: 4:16:08
